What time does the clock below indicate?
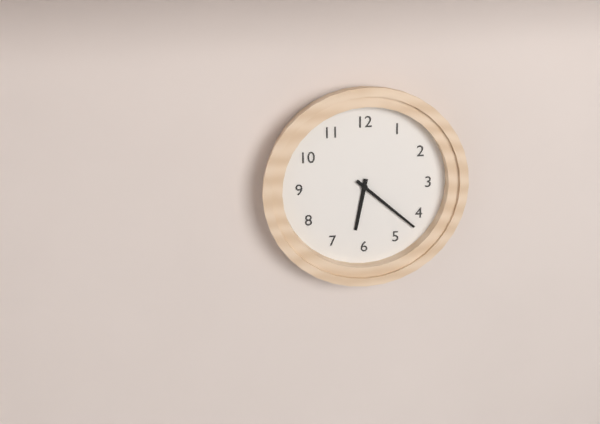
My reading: 6:22
